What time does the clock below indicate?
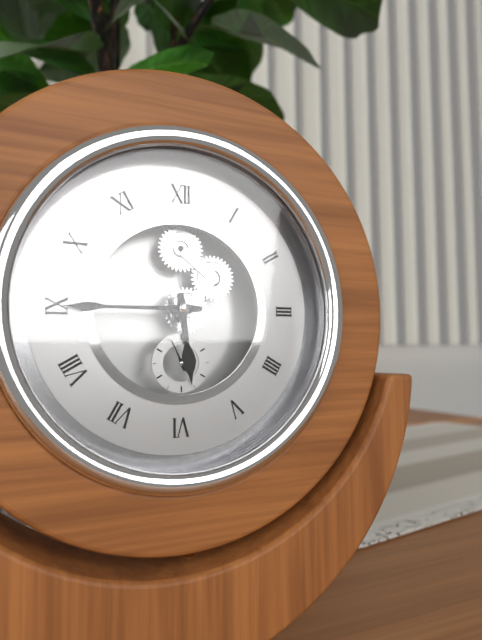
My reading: 5:45
